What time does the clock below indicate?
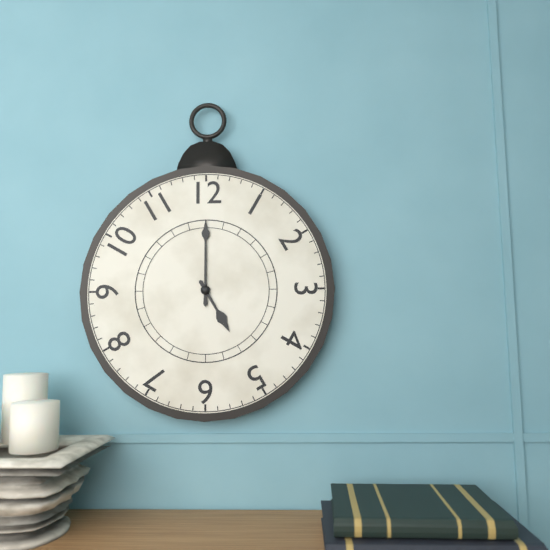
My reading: 5:00
